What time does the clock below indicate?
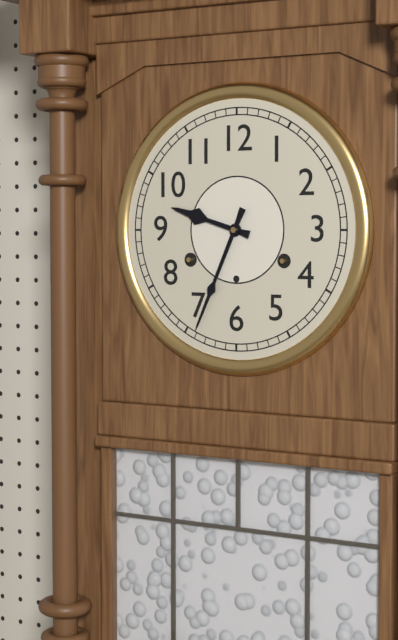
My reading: 9:34
